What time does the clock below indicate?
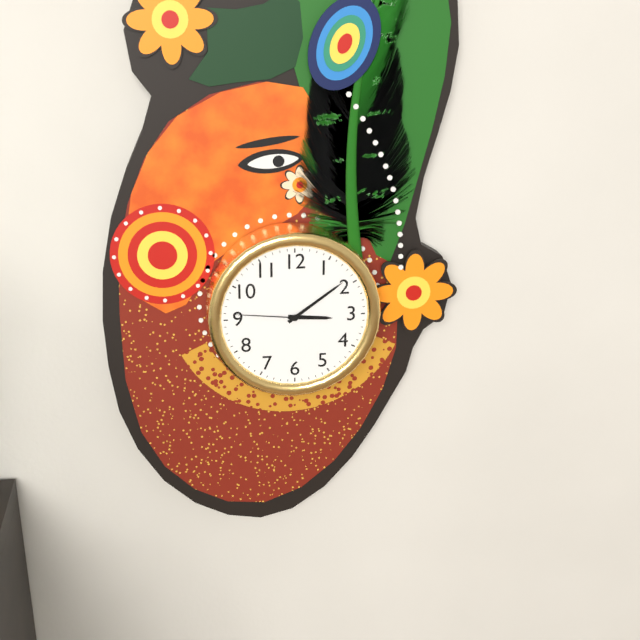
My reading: 3:09:46
